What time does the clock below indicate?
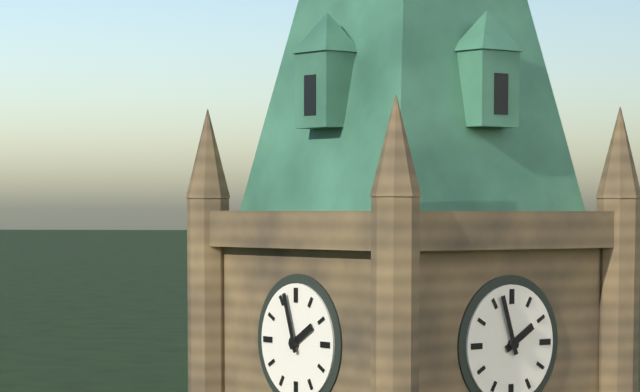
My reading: 1:57
